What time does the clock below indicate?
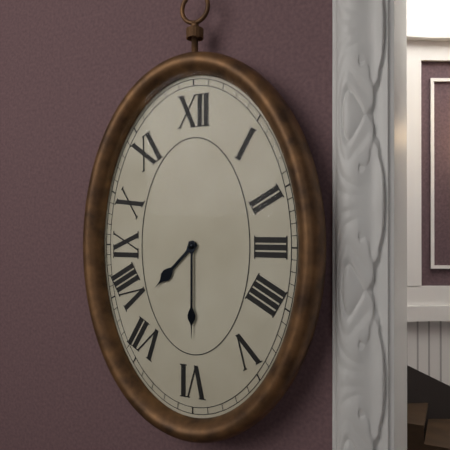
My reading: 7:30
